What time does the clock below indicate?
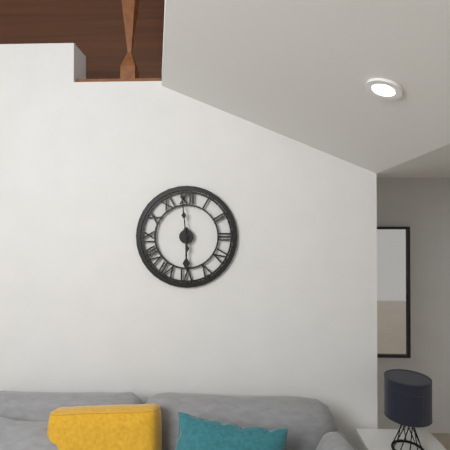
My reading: 5:59
